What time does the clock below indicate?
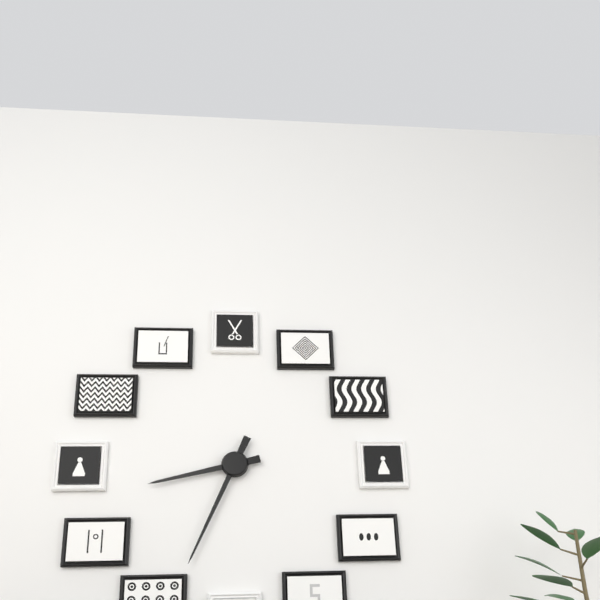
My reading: 8:34
